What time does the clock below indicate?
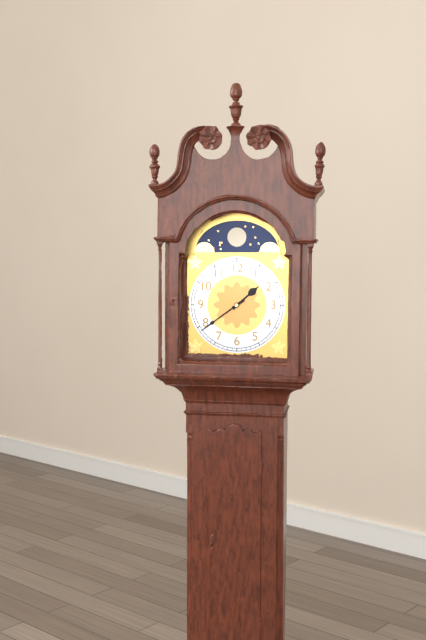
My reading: 1:39
